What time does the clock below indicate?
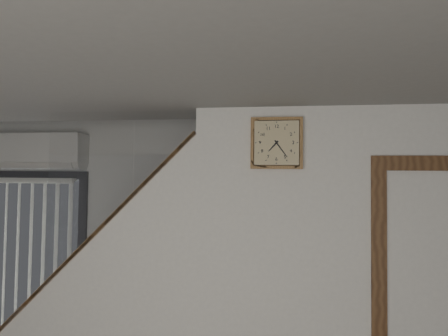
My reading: 7:24
